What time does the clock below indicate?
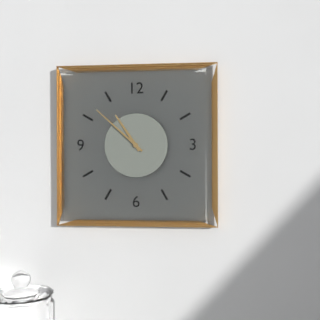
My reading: 10:52
